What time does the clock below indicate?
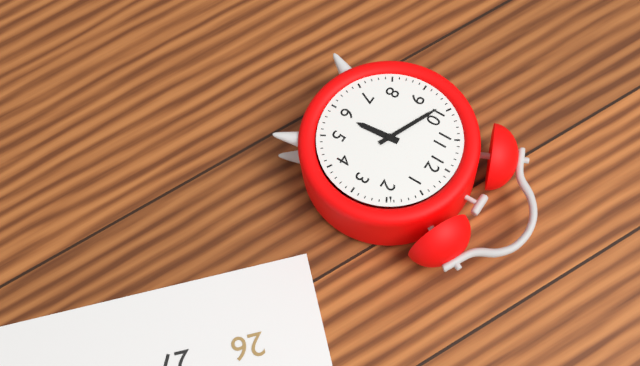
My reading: 5:49
